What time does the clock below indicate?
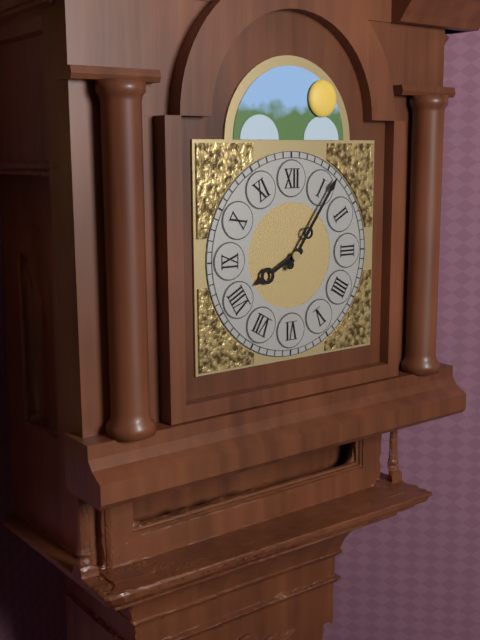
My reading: 8:06
